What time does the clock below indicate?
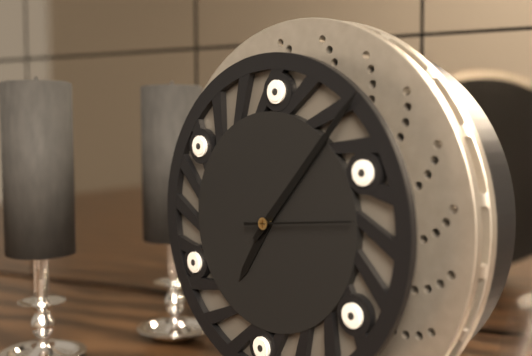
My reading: 7:07:14
